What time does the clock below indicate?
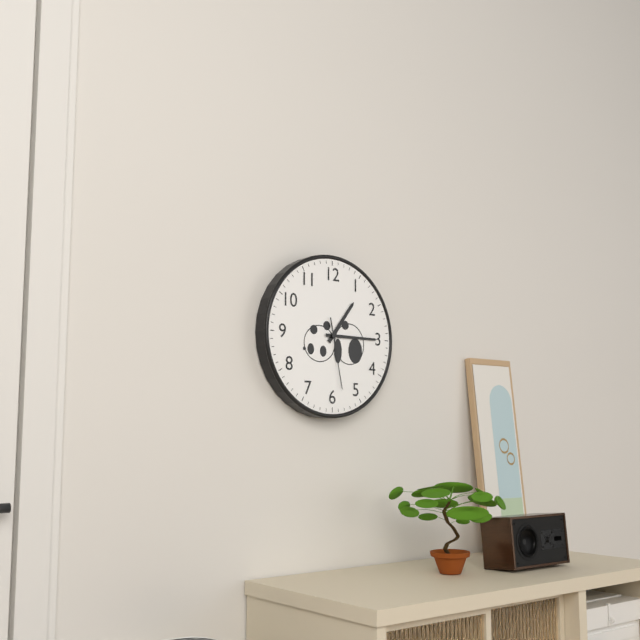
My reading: 1:15:28
